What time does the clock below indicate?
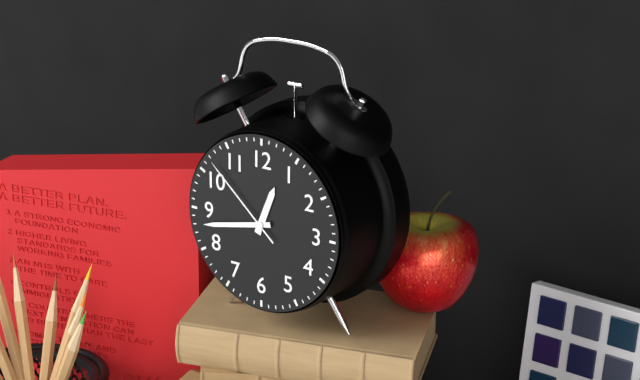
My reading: 12:43:52
